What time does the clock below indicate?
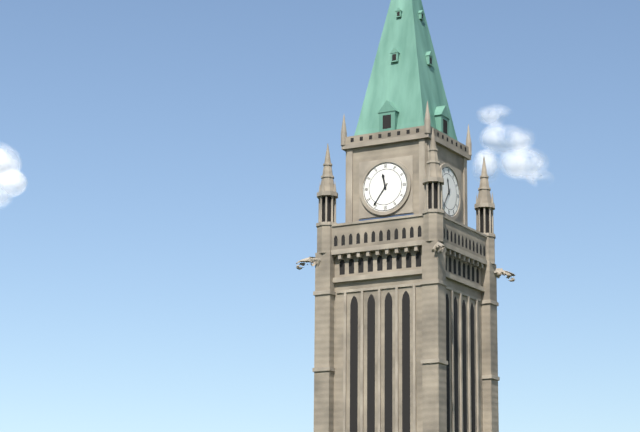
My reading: 11:36
